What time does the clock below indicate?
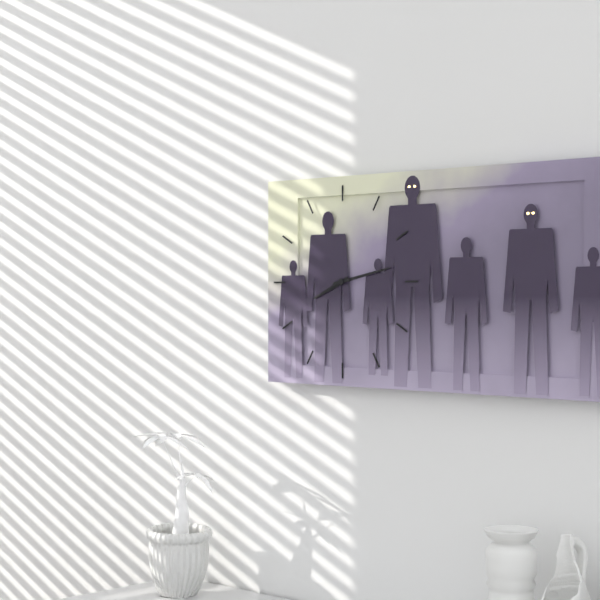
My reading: 8:13
